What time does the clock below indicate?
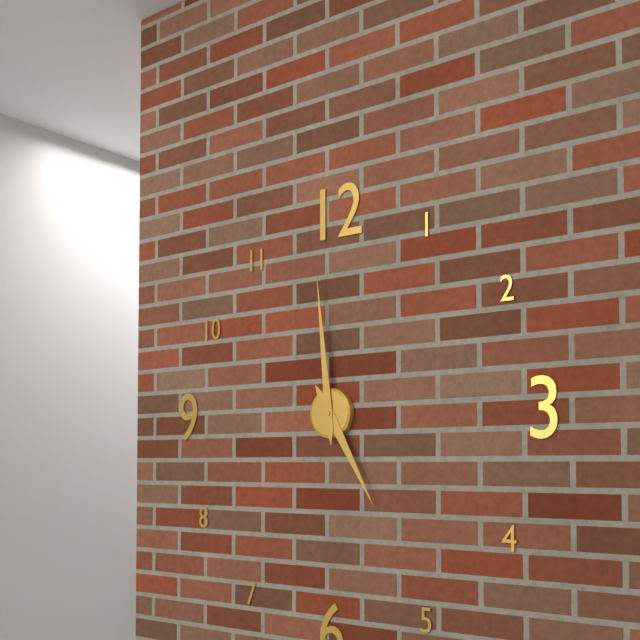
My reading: 4:59
